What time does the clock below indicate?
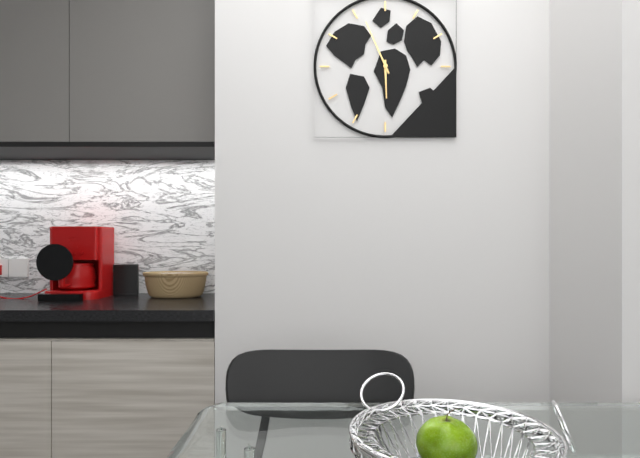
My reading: 5:56
